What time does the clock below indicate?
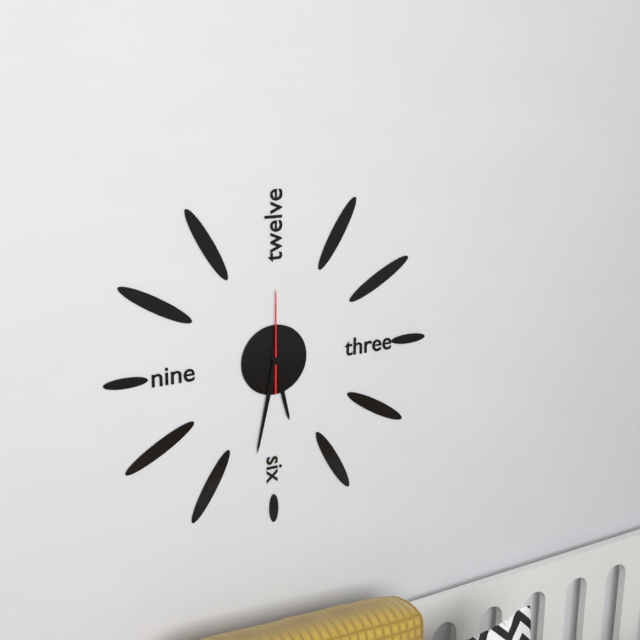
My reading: 5:32:00
